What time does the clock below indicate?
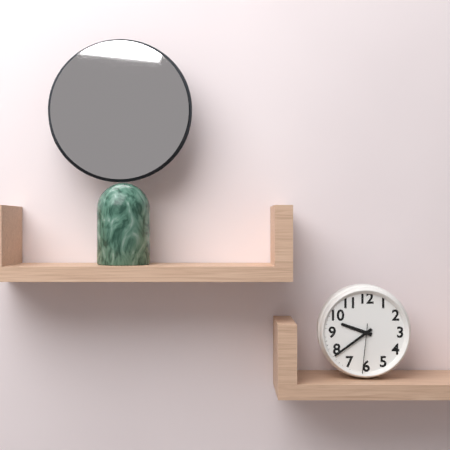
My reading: 9:39:31
